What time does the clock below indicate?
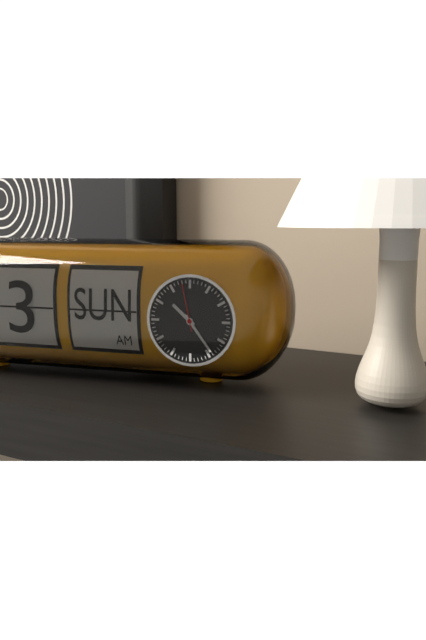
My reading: 10:24
